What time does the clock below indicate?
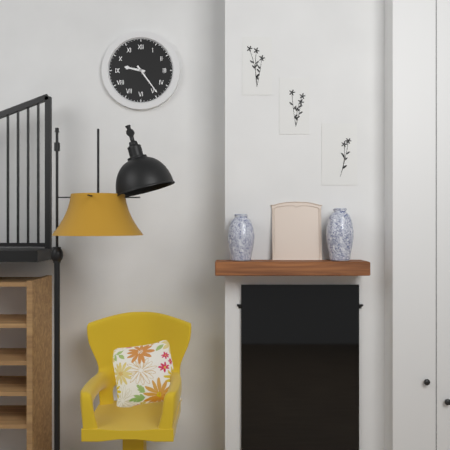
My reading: 9:24
